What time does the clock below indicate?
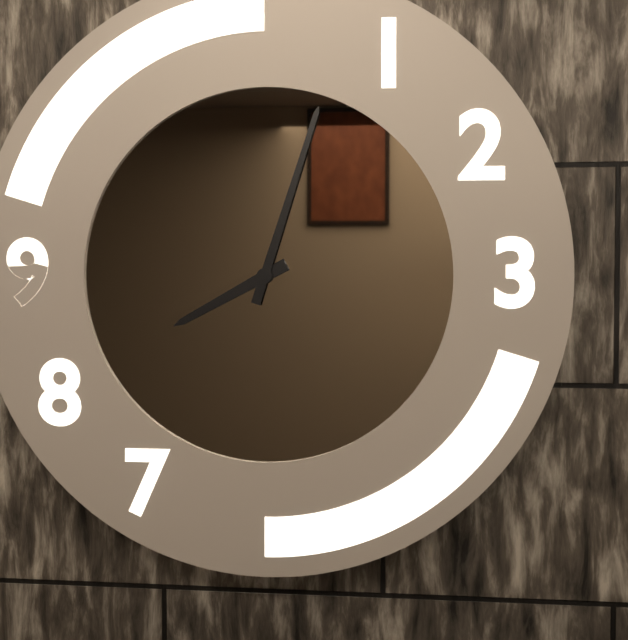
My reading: 8:03
